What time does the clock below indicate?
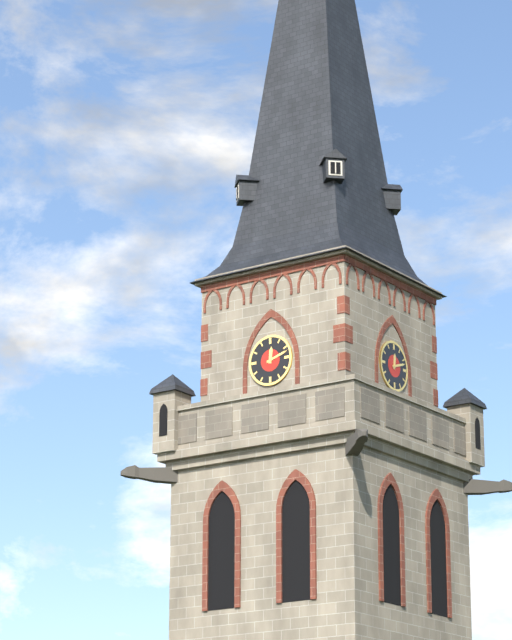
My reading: 12:12
